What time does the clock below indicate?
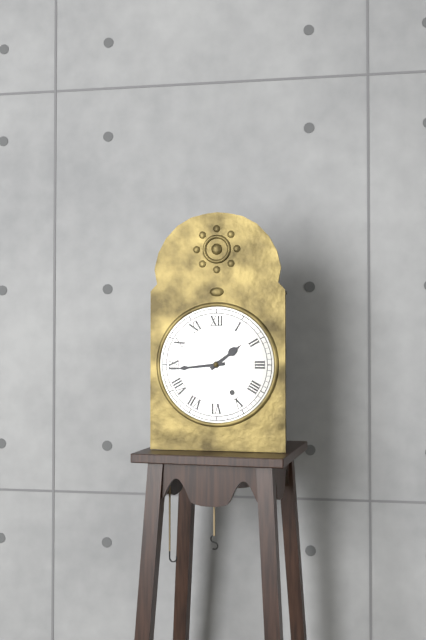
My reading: 1:44
